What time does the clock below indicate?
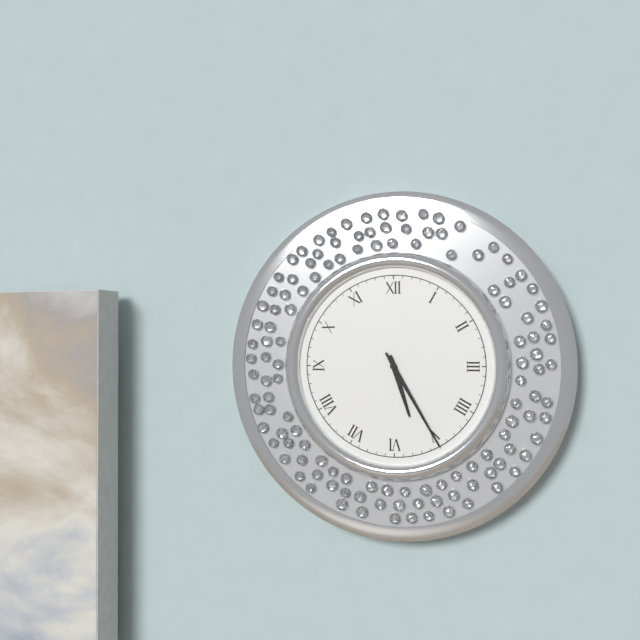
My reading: 5:25
